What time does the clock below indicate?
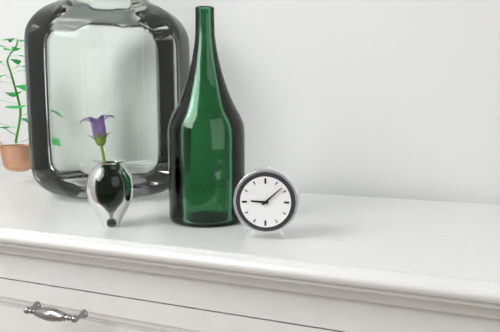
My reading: 9:08
